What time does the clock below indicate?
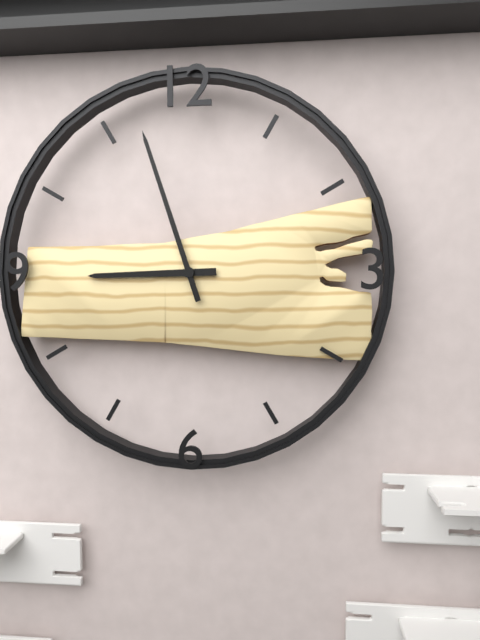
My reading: 8:57
